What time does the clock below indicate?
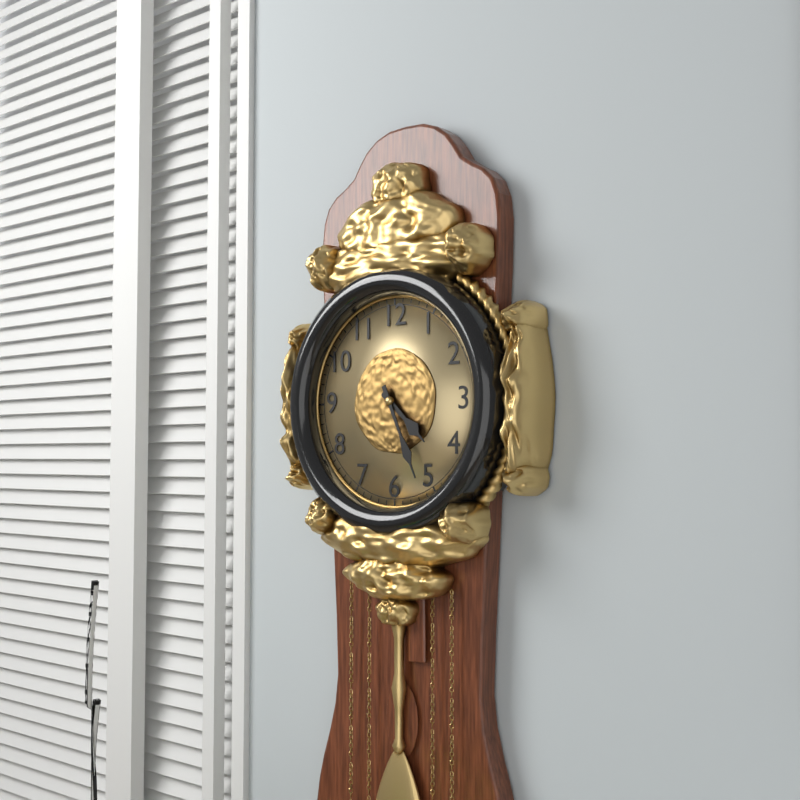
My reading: 4:26
